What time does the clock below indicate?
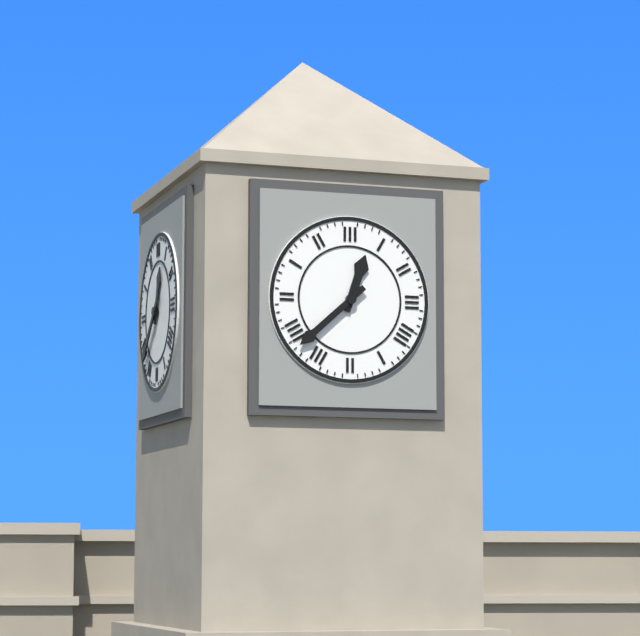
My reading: 12:38
